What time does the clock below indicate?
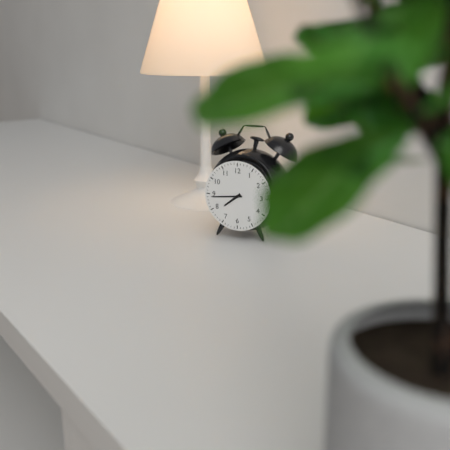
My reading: 7:44
